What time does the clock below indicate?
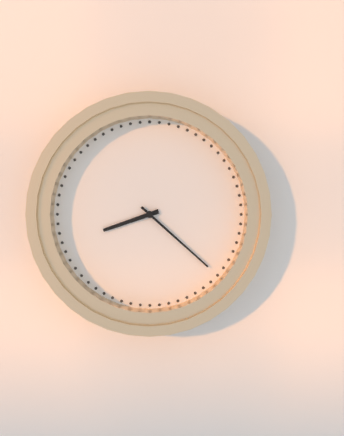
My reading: 8:22
